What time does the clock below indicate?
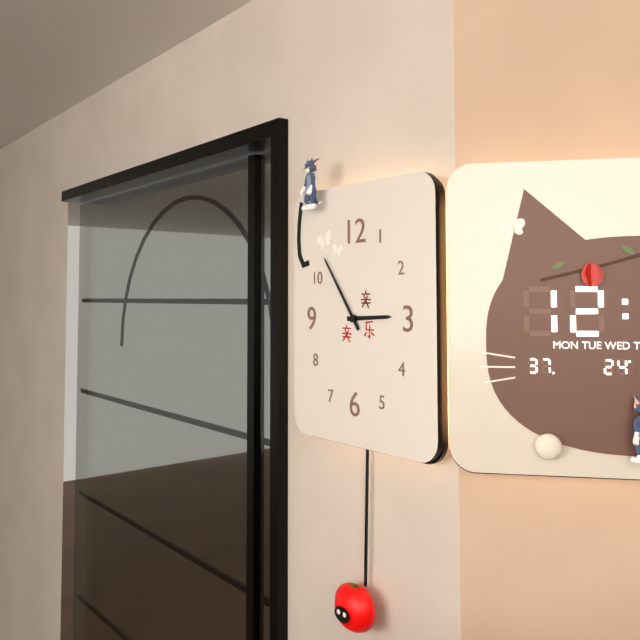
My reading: 2:54
